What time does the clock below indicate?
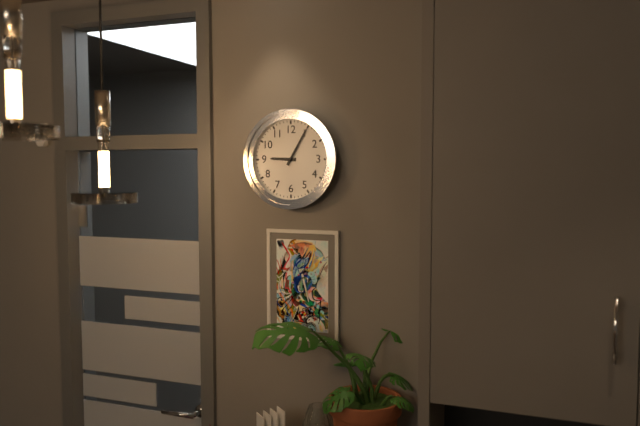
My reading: 9:05
